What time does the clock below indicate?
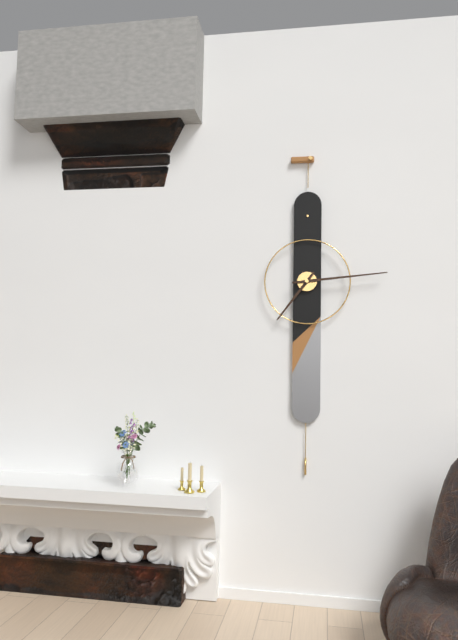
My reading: 7:14
